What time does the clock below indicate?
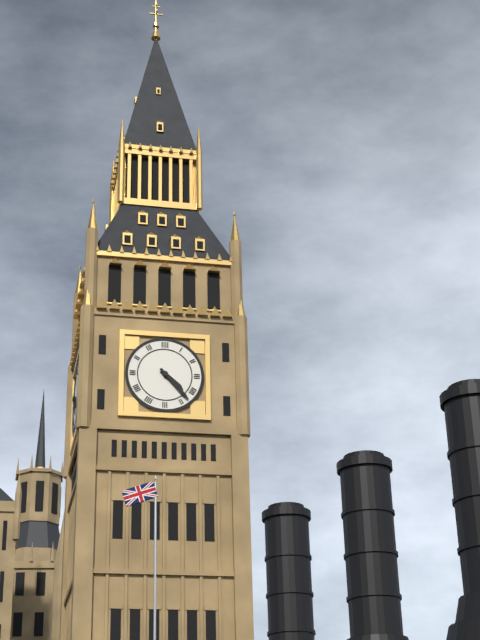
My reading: 4:23
